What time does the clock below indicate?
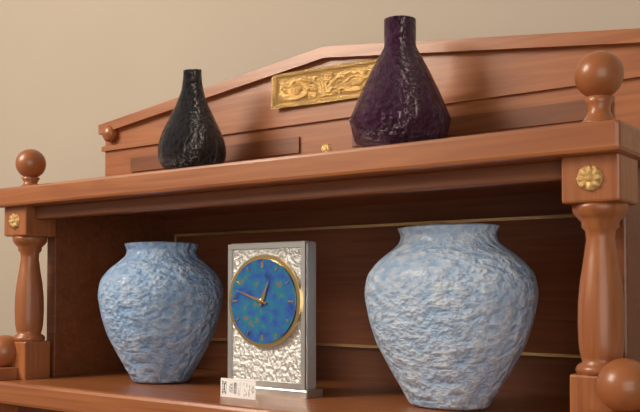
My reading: 12:48
